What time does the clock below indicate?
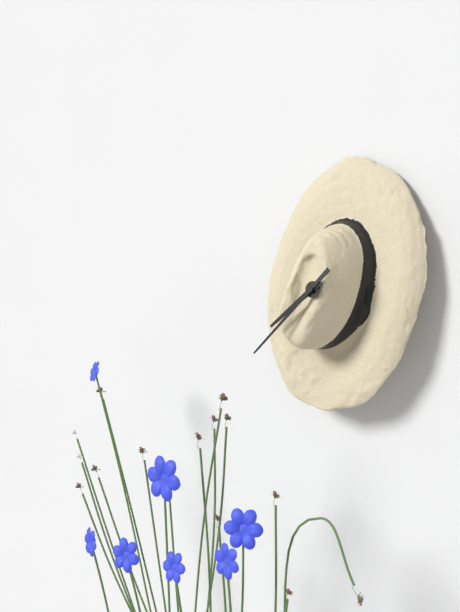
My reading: 7:37
